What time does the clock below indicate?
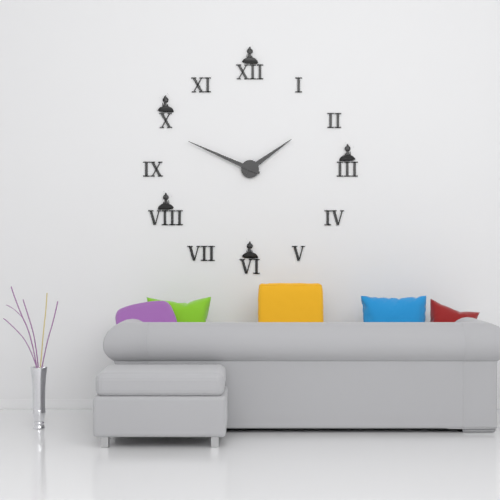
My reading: 1:49
